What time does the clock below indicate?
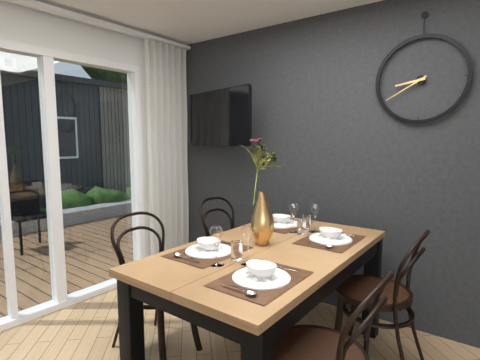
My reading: 8:40
